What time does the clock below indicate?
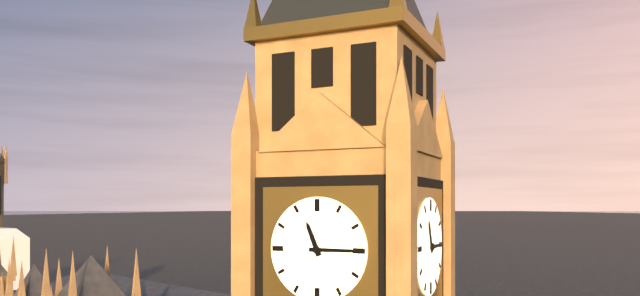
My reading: 11:15
